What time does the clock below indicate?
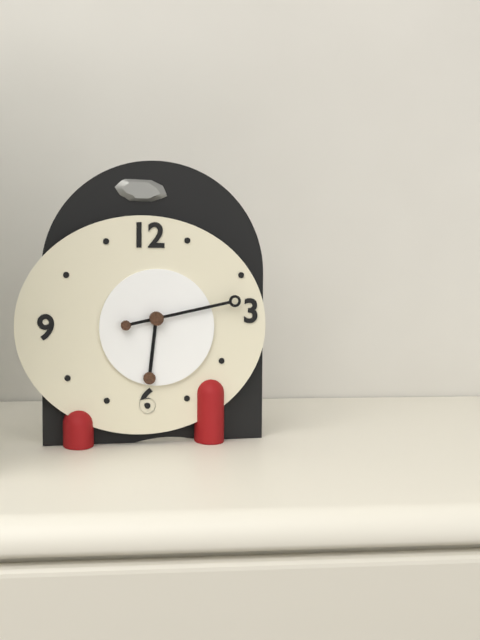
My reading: 6:13
